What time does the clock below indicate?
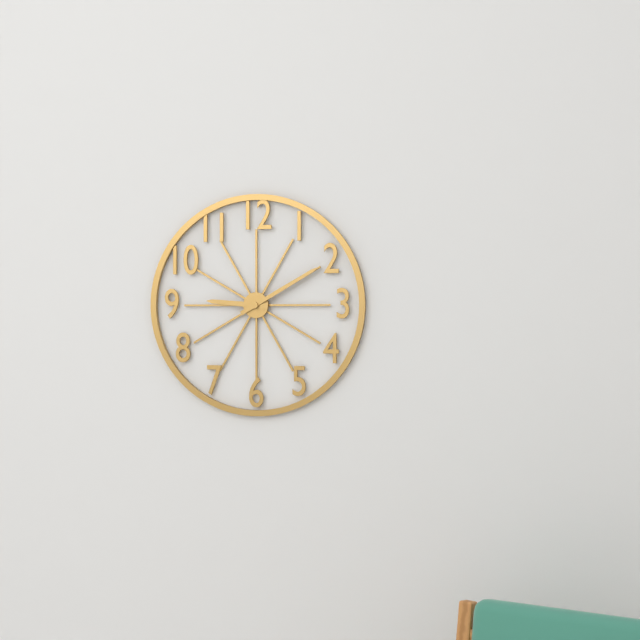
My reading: 9:10
